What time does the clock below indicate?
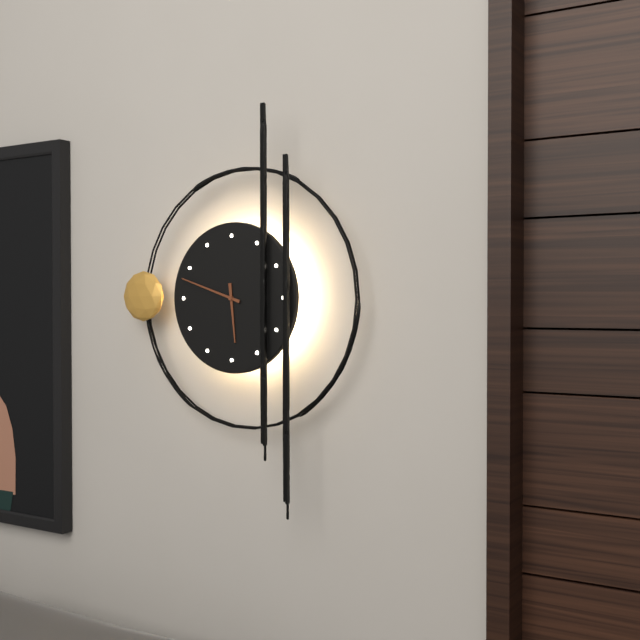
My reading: 5:48
